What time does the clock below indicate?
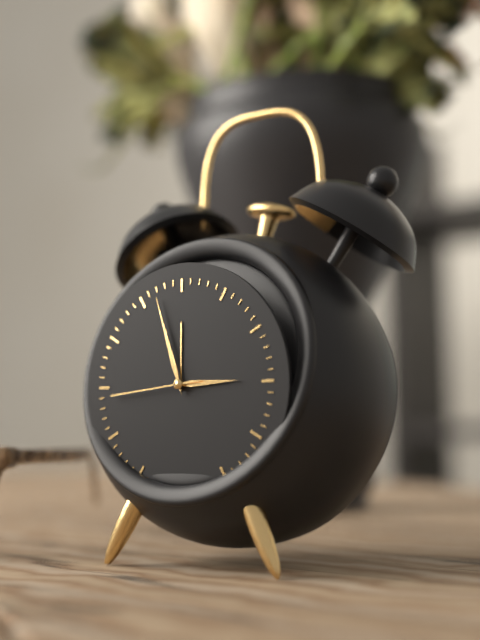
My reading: 2:57:44
